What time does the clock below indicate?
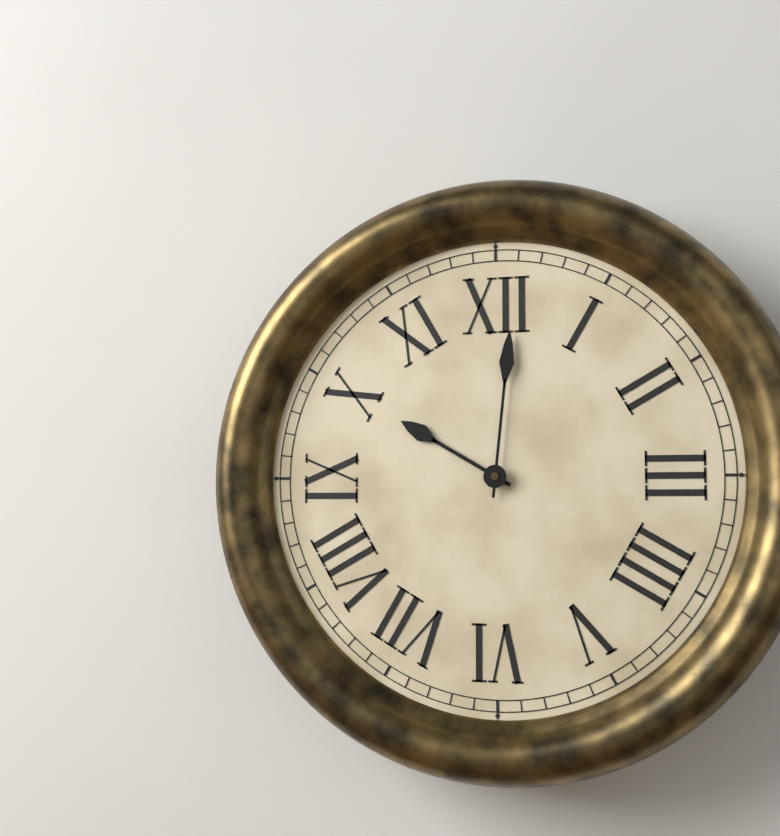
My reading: 10:01
